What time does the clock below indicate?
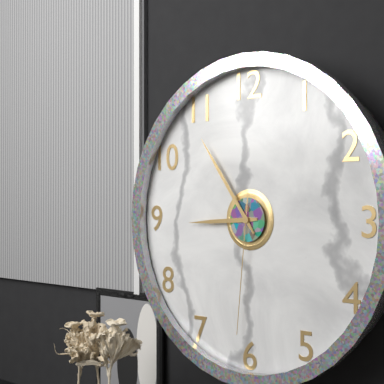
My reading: 8:54:31
